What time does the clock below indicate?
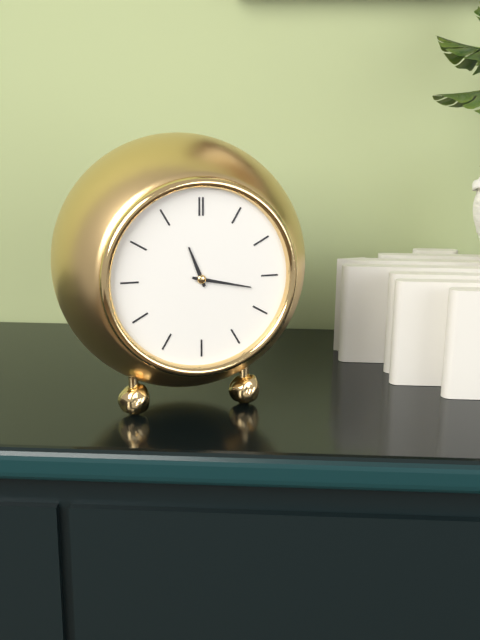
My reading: 11:17
